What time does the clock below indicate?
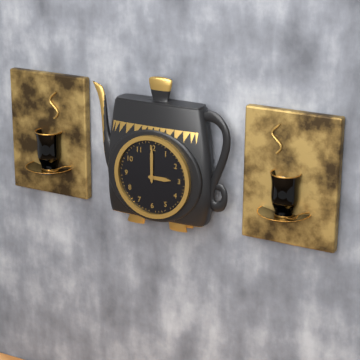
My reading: 3:00
